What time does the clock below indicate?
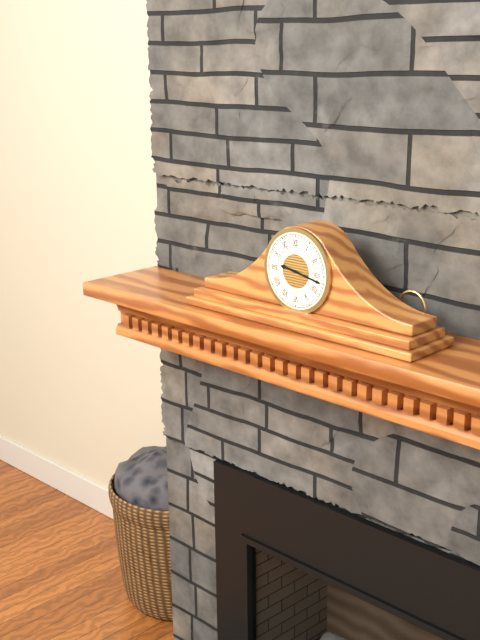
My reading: 9:17
